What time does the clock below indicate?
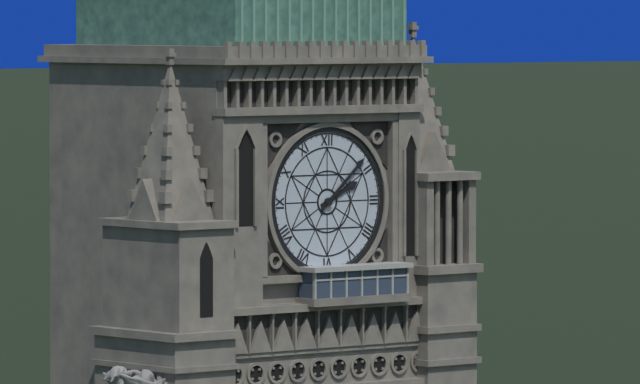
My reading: 2:08
